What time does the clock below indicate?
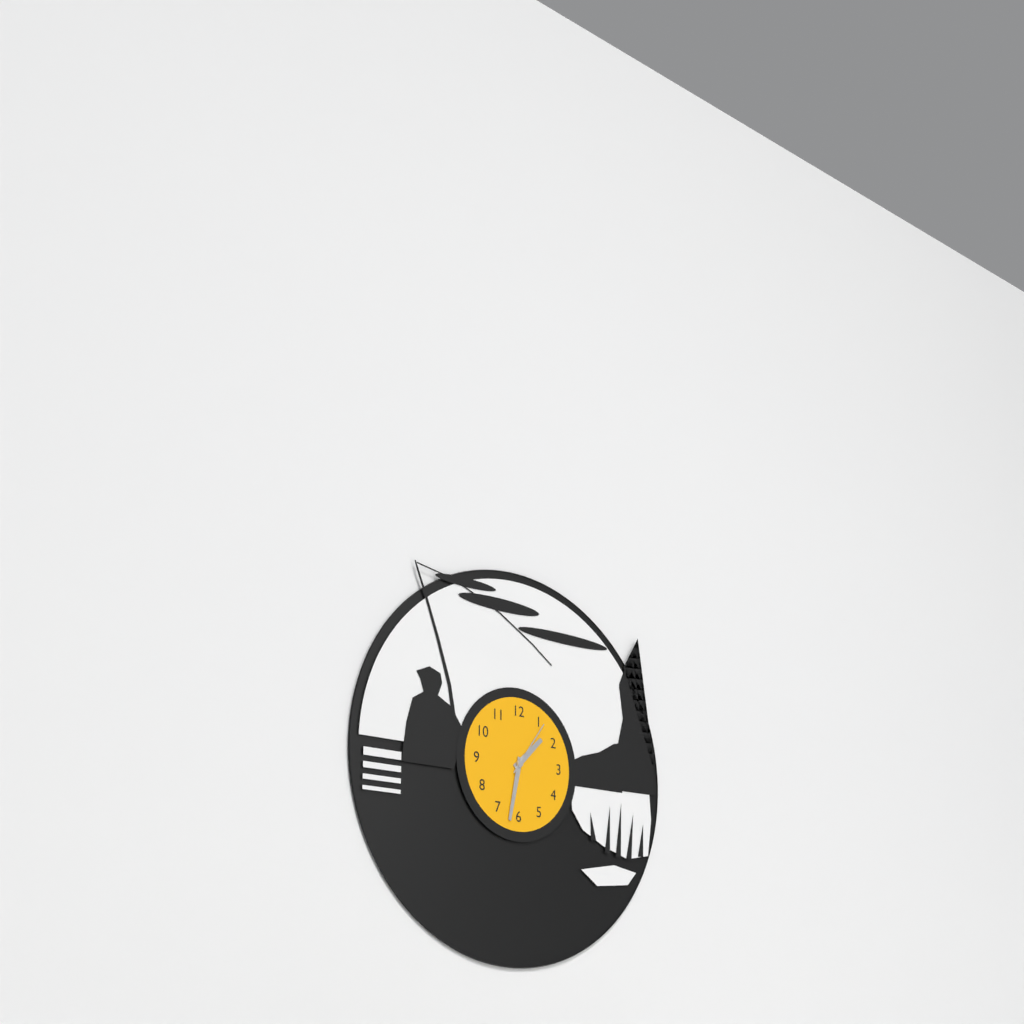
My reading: 1:32:06
